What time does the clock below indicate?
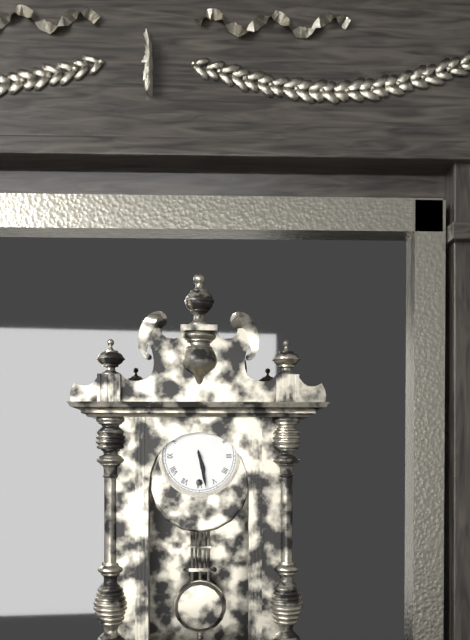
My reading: 5:28
